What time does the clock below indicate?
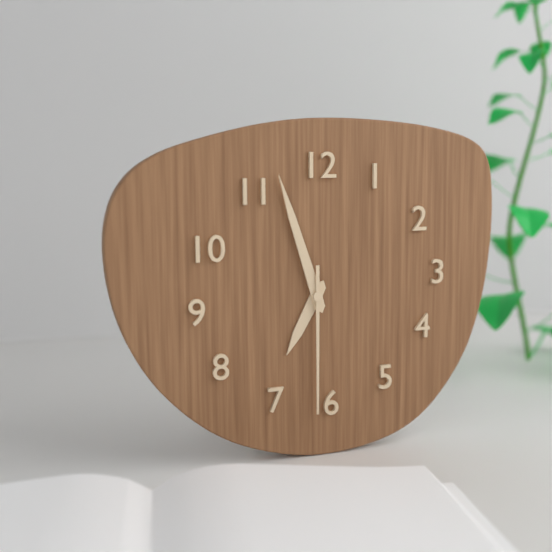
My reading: 6:57:30
